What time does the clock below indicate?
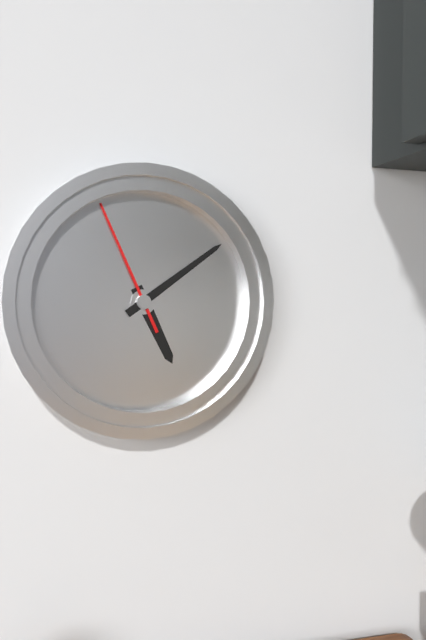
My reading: 5:09:56
